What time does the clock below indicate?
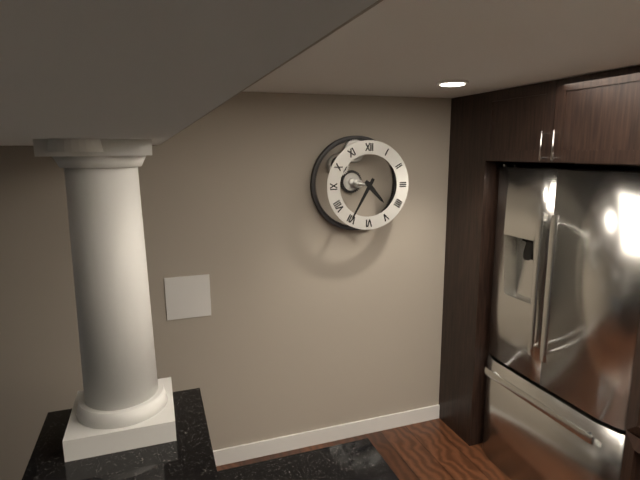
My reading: 4:35
